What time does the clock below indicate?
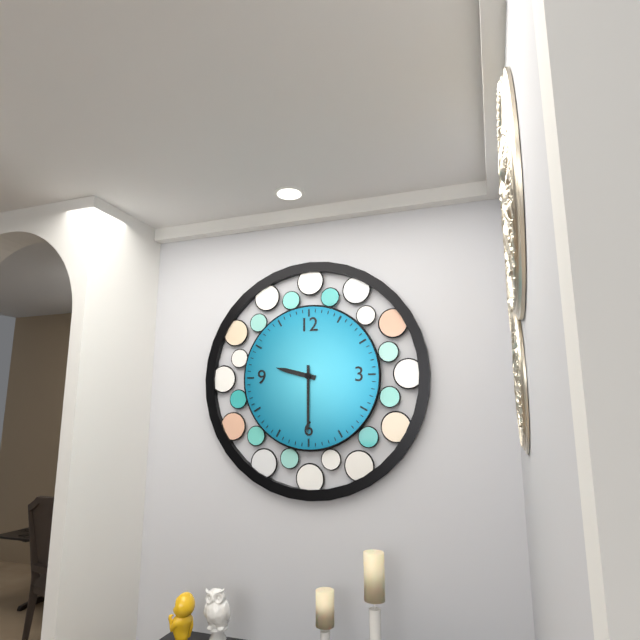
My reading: 9:30
